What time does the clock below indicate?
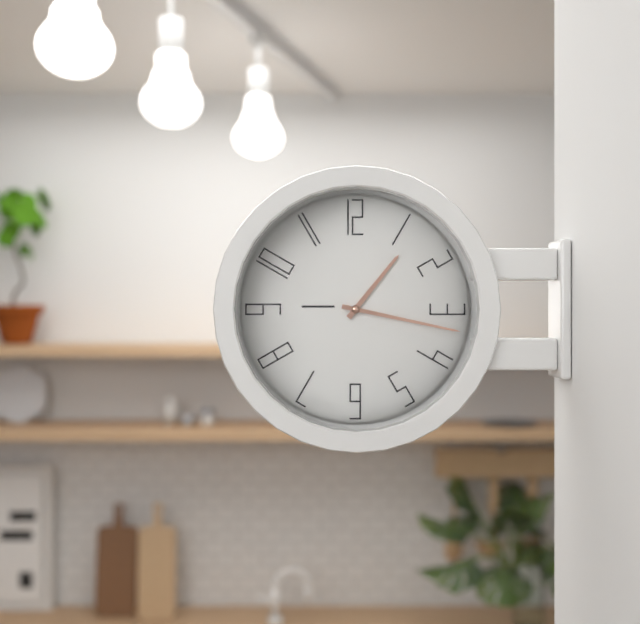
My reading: 1:17
